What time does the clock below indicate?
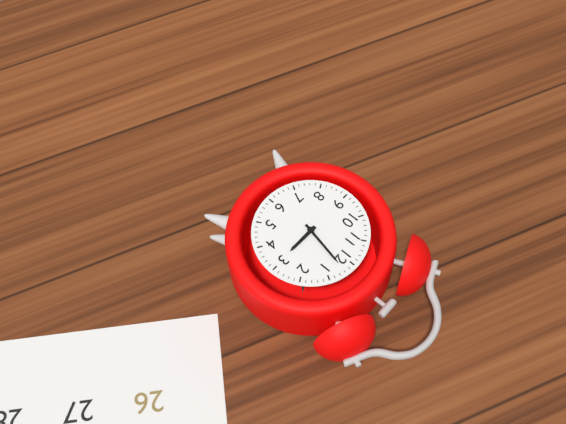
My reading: 3:02
